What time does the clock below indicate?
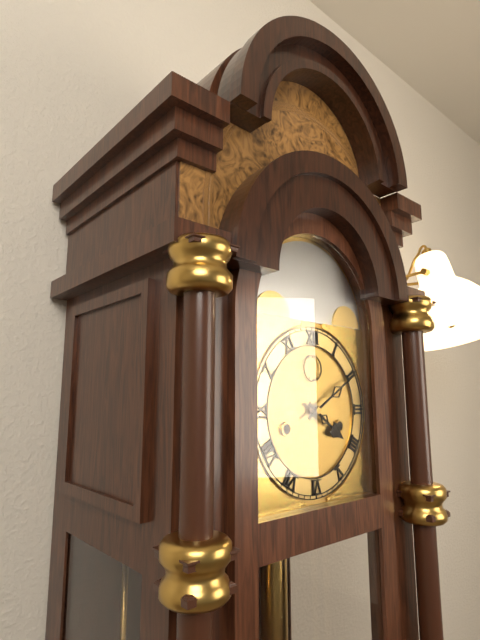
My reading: 4:10
